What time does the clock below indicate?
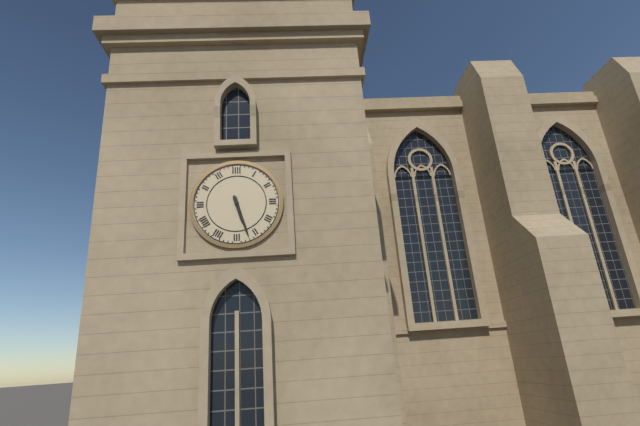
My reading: 5:27
